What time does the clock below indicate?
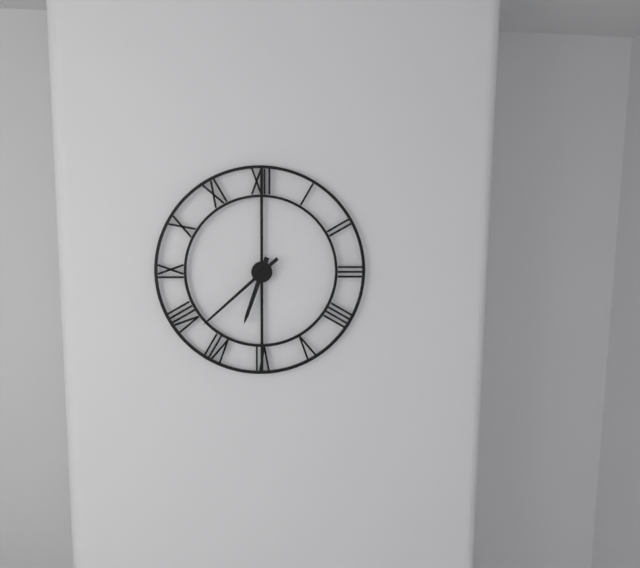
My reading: 6:38
